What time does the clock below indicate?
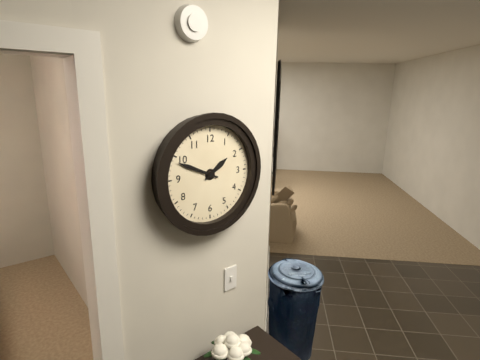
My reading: 1:49
